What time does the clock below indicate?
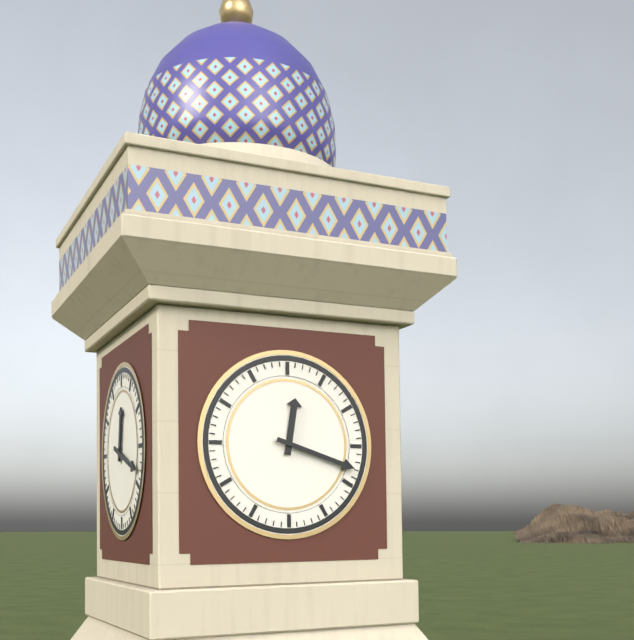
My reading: 12:18
